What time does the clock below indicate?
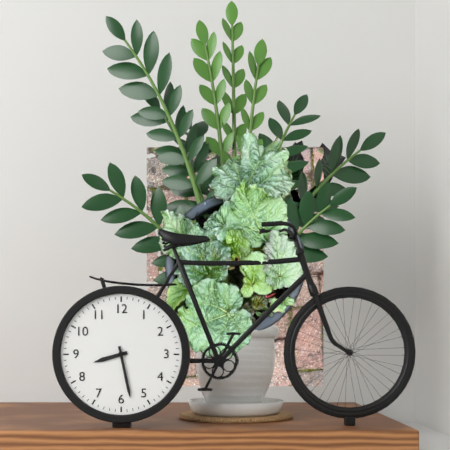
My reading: 8:28
